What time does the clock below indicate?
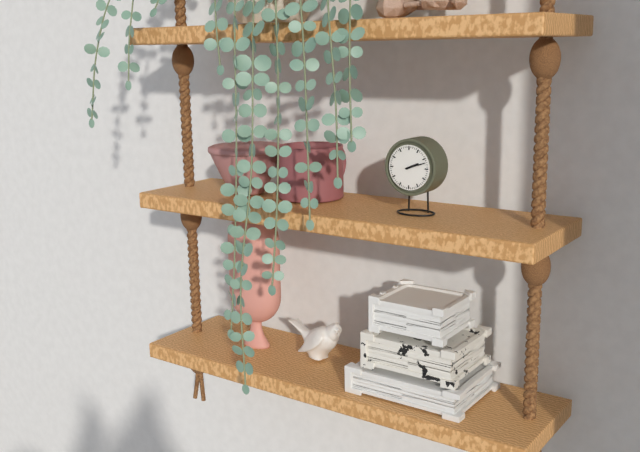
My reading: 2:12
